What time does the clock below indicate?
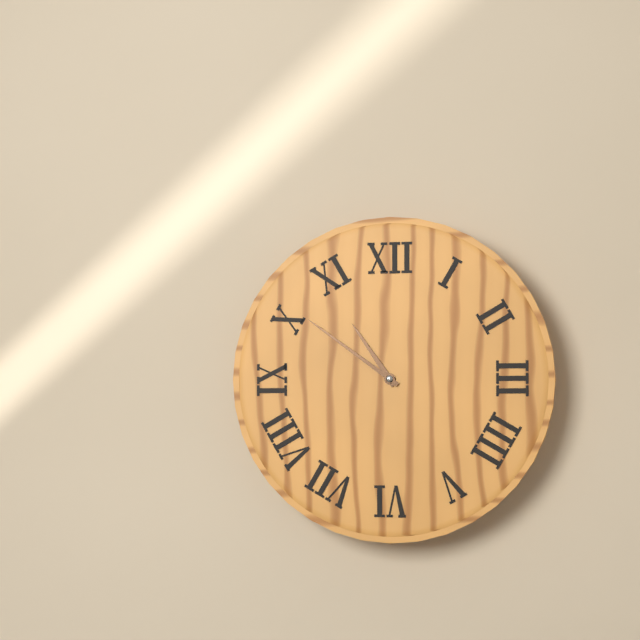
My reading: 10:51
